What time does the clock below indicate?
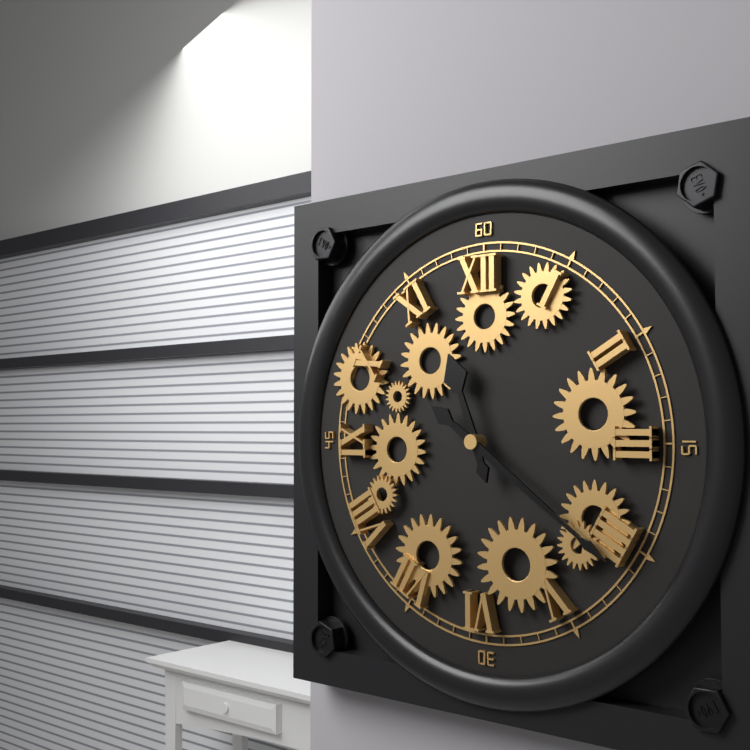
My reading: 11:21
